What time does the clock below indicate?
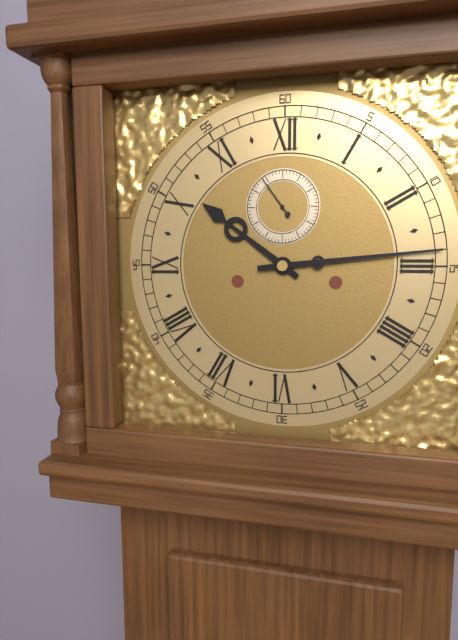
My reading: 10:14
